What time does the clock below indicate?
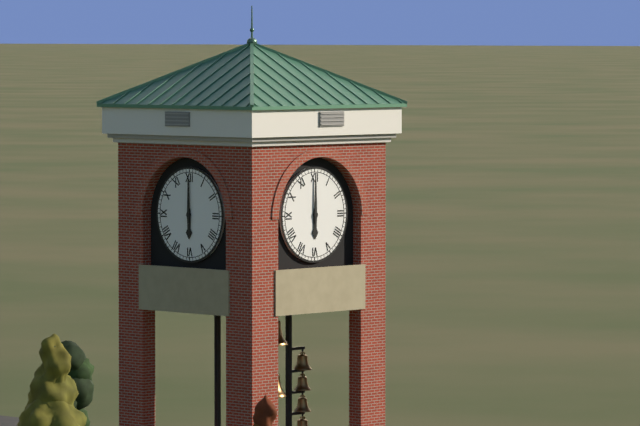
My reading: 6:00
